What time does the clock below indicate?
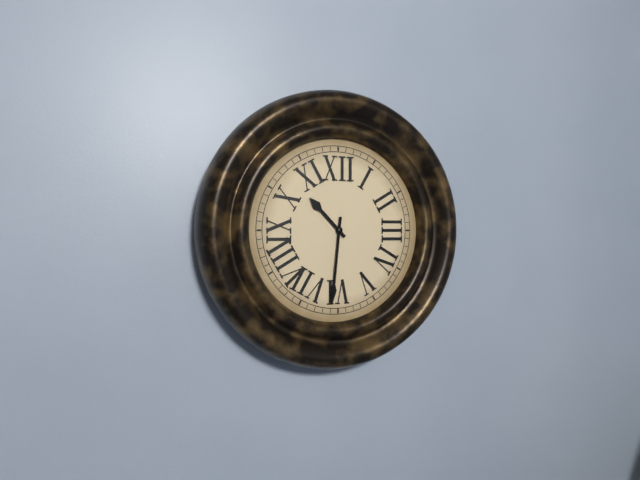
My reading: 10:31
